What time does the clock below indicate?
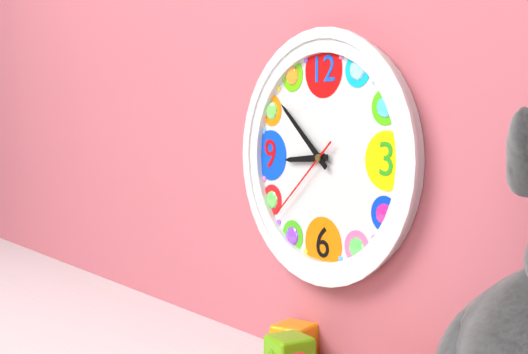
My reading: 8:52:38
